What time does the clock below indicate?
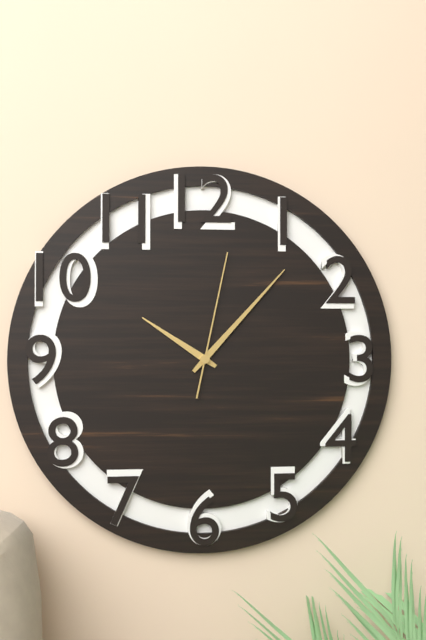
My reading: 10:07:02
